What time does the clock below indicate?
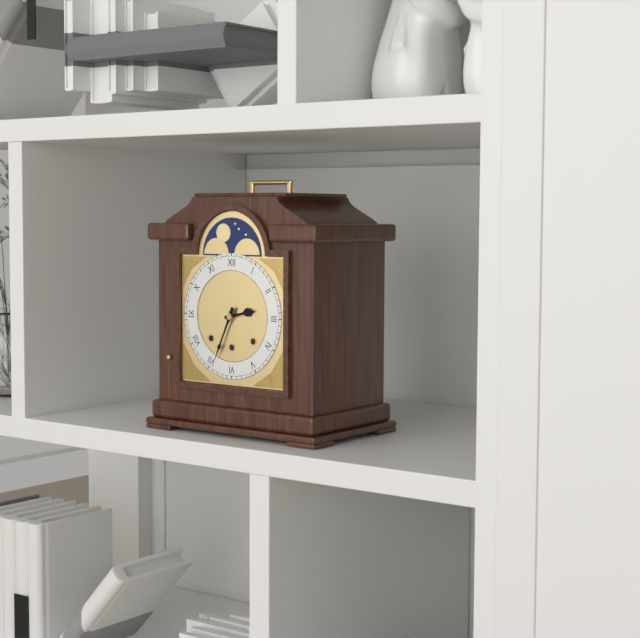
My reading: 2:34
